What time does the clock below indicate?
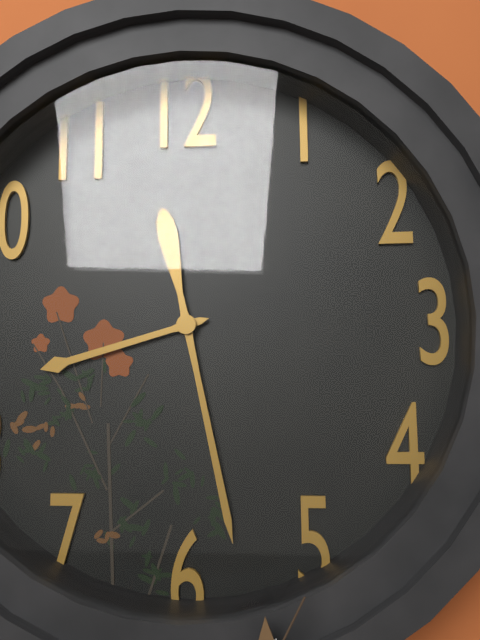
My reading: 8:28
